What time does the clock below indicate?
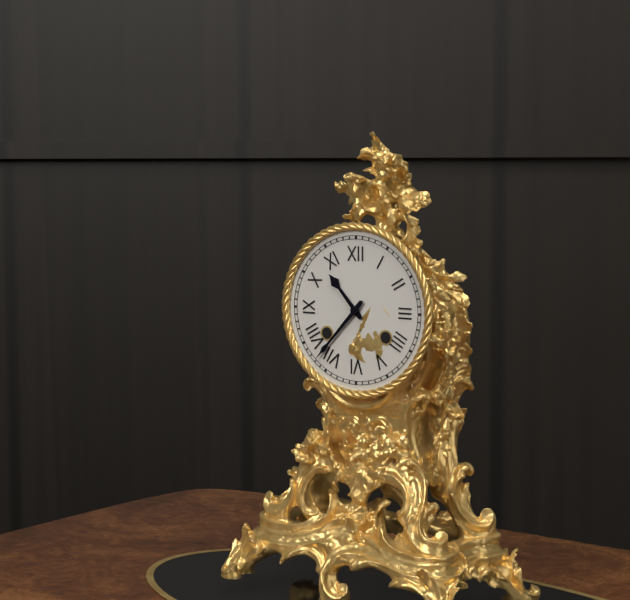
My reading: 10:37
